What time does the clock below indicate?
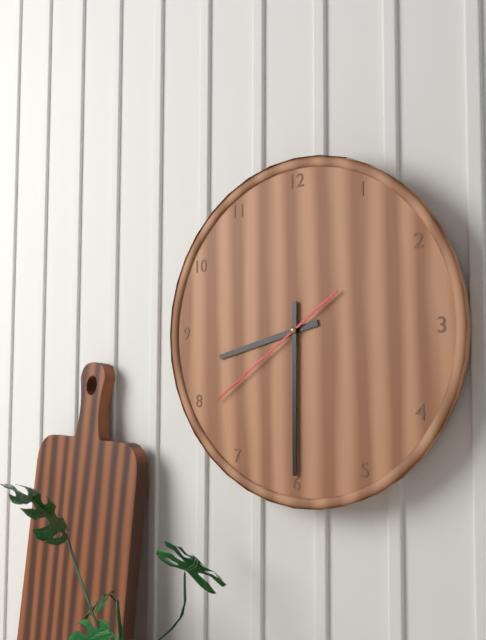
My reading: 8:30:39
